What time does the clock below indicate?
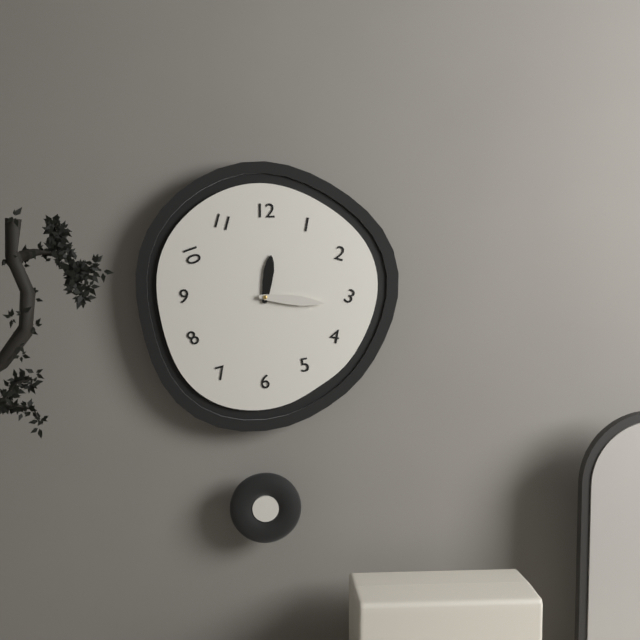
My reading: 12:16
